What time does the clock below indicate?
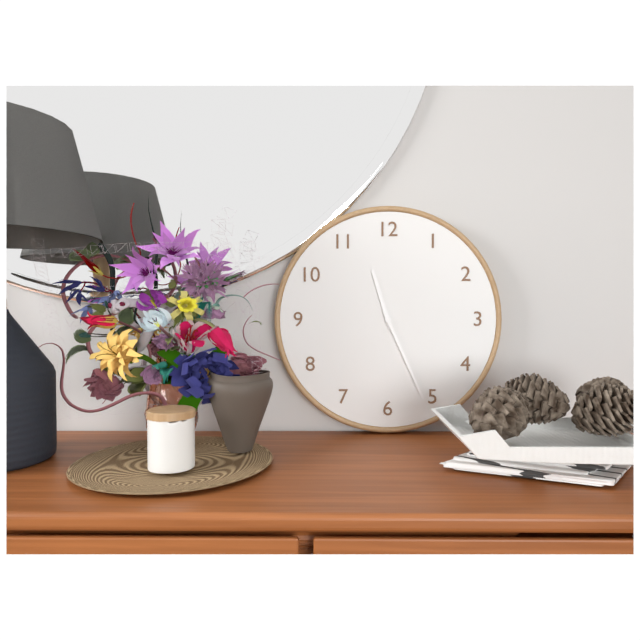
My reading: 11:26
